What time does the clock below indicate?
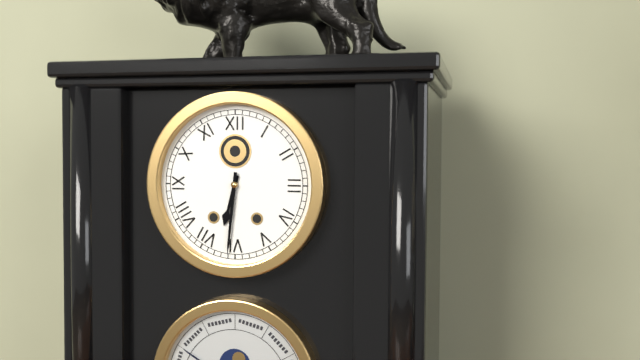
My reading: 6:31
